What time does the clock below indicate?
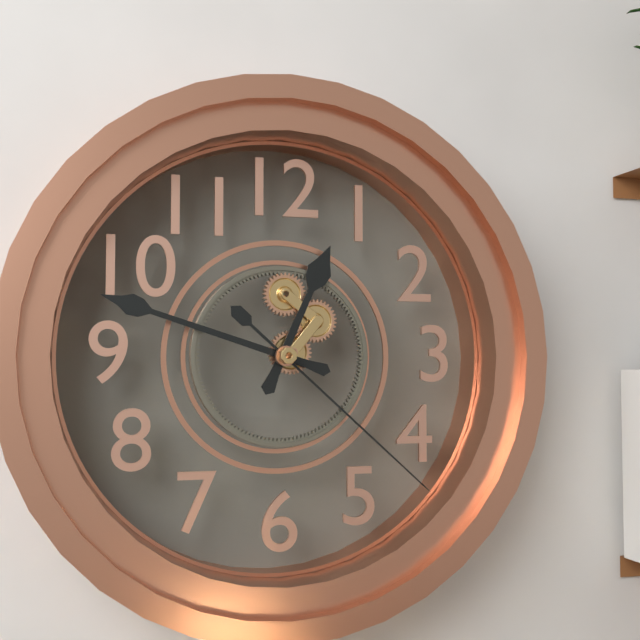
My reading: 12:48:22
